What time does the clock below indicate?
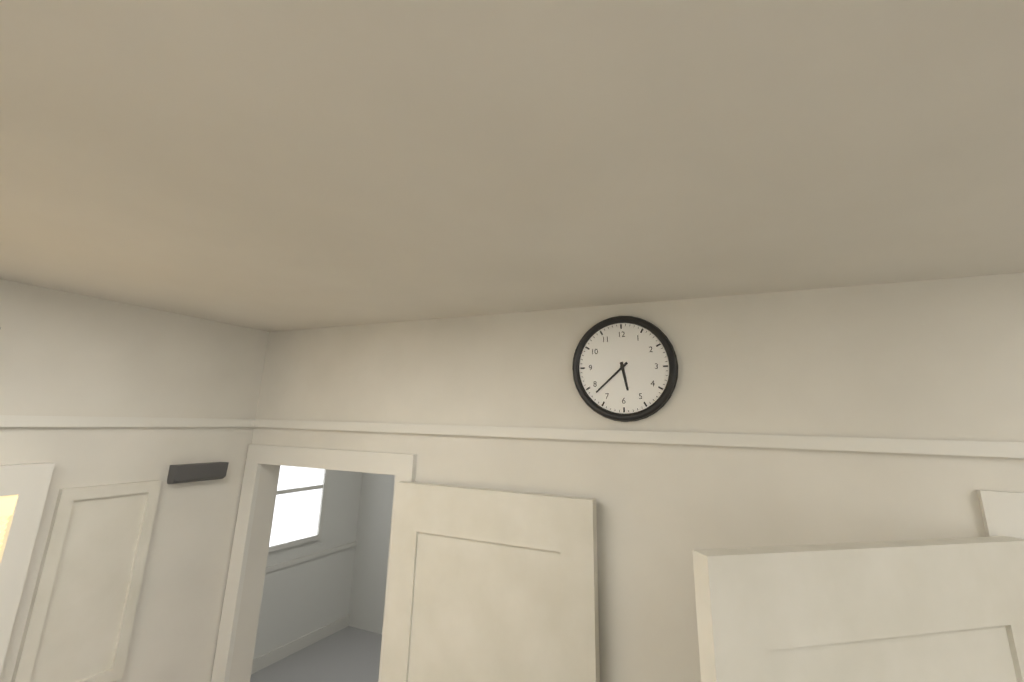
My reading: 5:38
